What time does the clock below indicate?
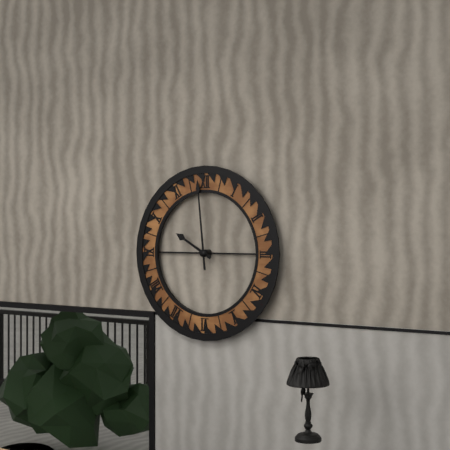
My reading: 9:59
